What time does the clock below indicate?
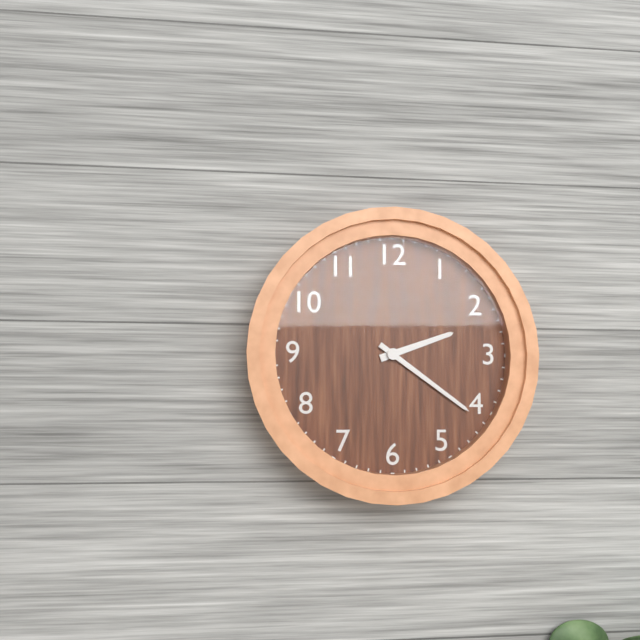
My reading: 2:21
